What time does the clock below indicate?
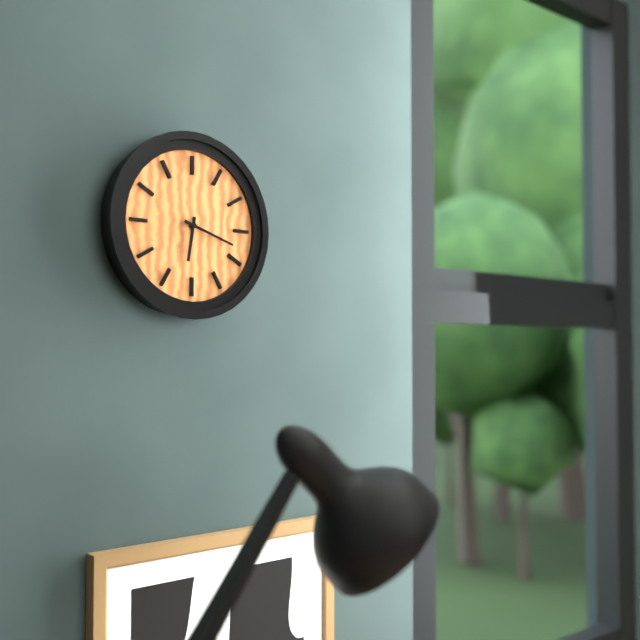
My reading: 6:18
